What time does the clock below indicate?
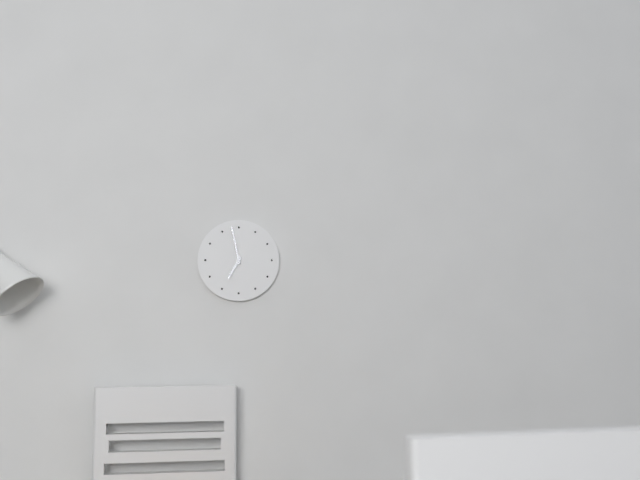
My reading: 6:58
